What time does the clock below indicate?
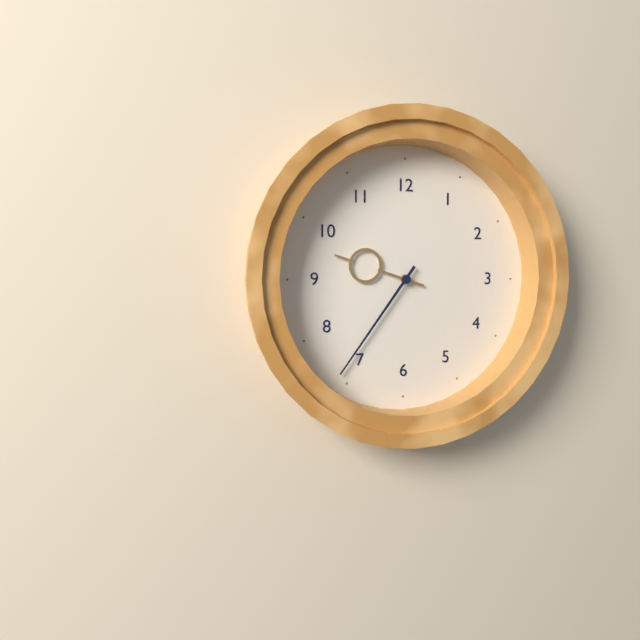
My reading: 9:36
